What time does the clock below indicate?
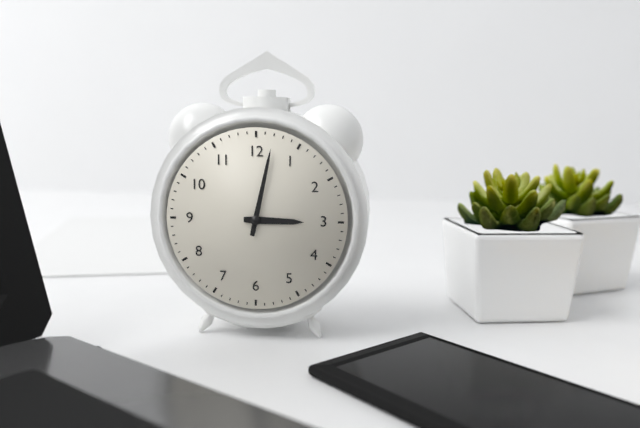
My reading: 3:02
